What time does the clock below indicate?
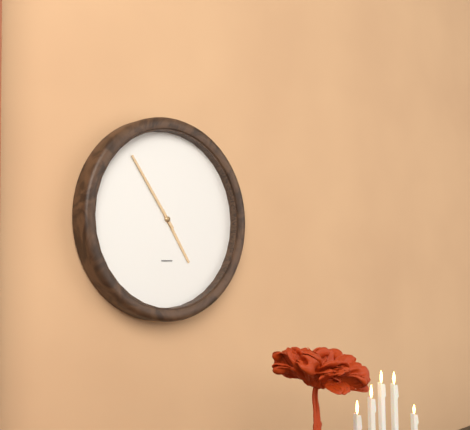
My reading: 4:54
